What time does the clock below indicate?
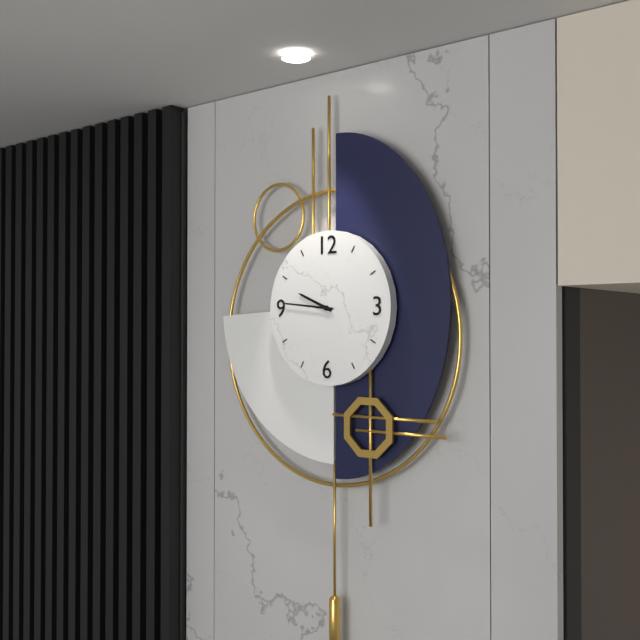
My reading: 9:46
